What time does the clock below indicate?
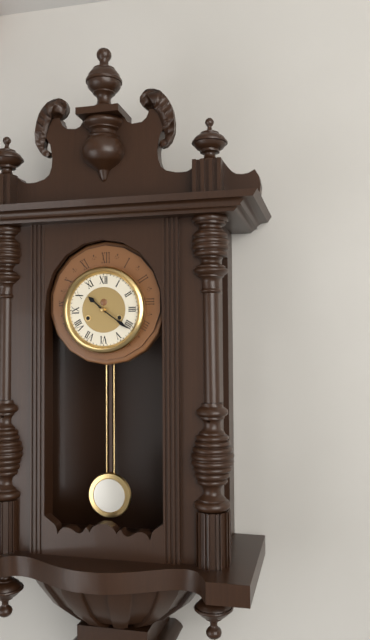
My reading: 10:21
